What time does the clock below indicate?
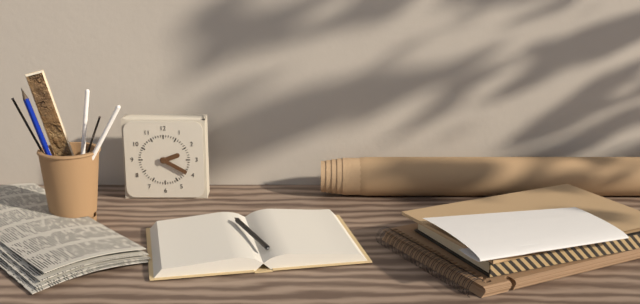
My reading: 2:20
